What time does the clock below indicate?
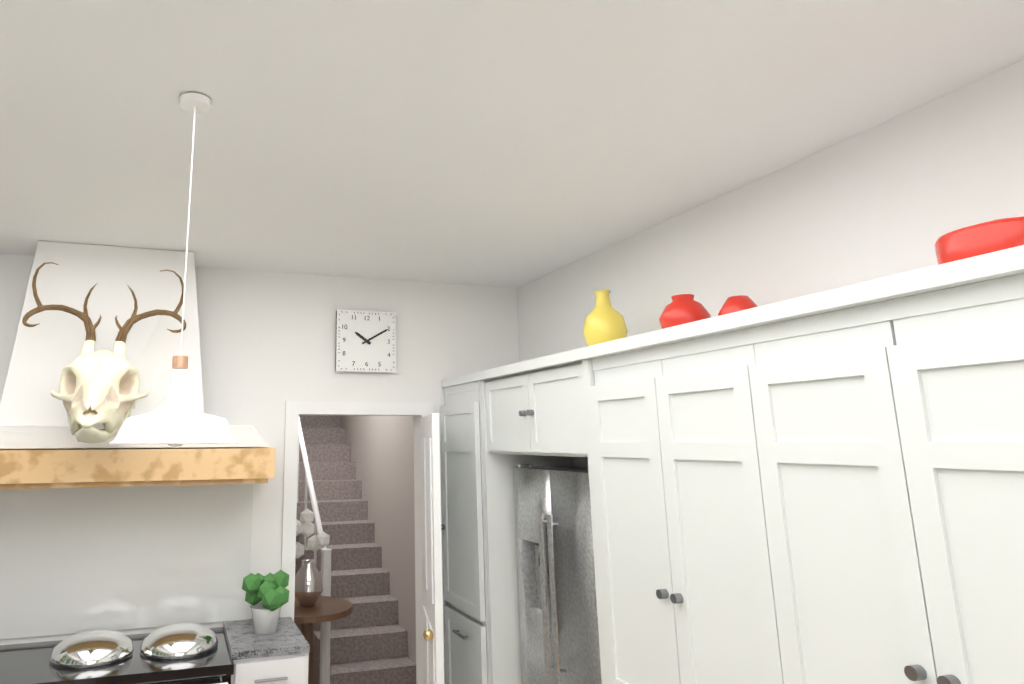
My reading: 10:10
